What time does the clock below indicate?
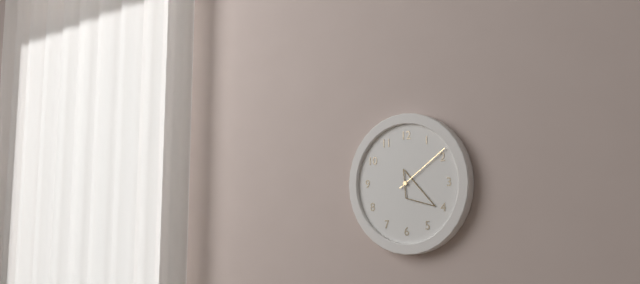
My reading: 4:09
